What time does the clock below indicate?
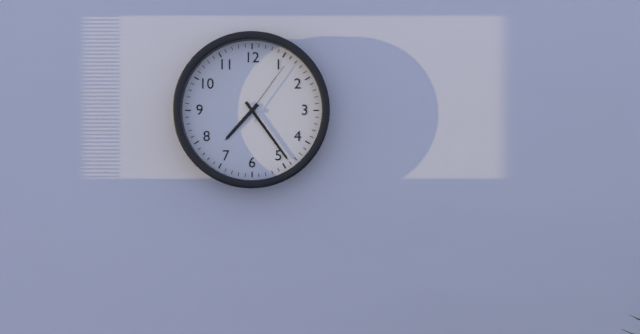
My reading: 7:24:06
